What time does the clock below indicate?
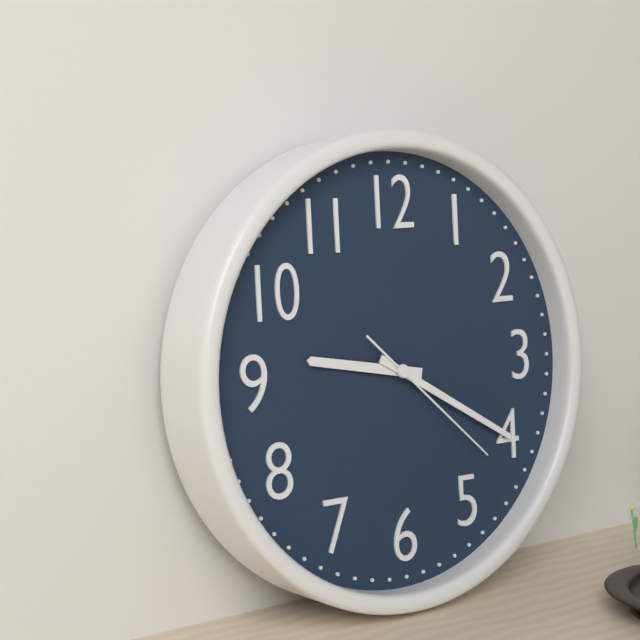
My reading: 9:20:22
